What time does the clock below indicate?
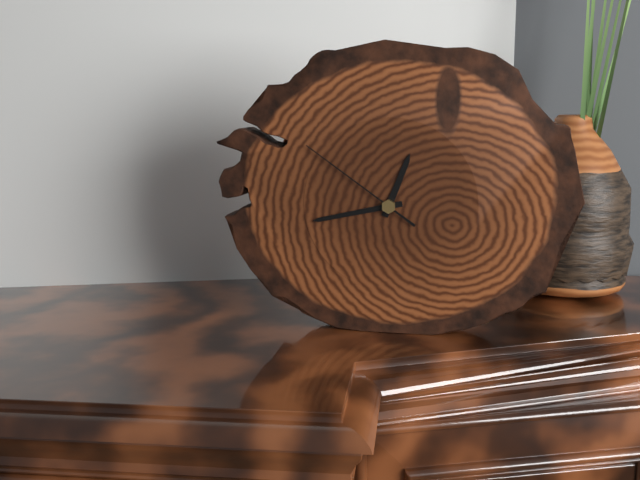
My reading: 12:43:51
